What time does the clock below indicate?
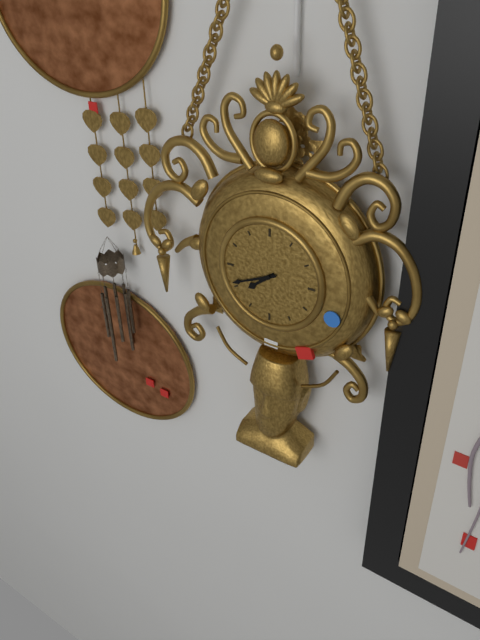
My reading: 7:41
